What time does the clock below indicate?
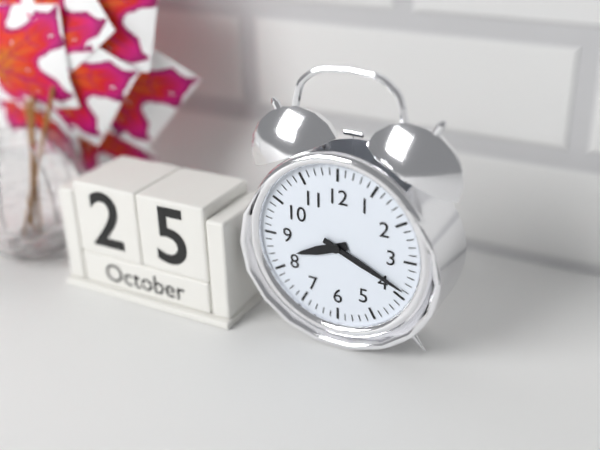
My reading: 8:19
